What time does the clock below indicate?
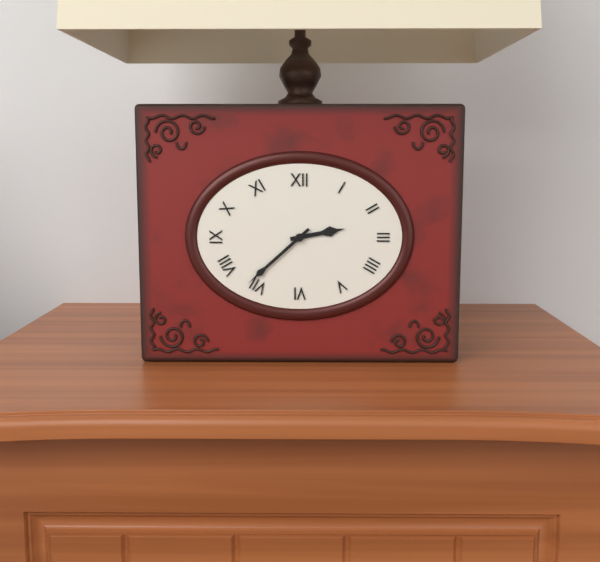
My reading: 2:38
